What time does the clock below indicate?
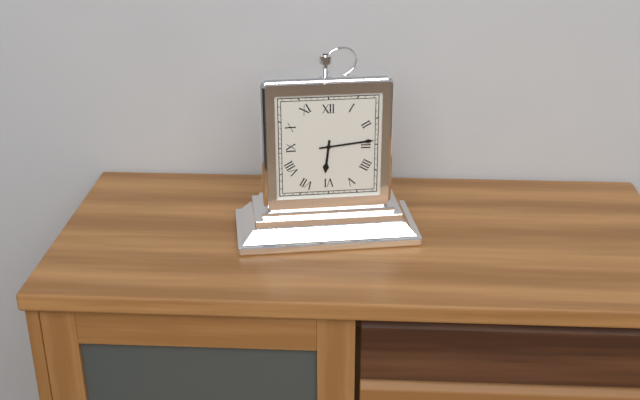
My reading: 6:14
